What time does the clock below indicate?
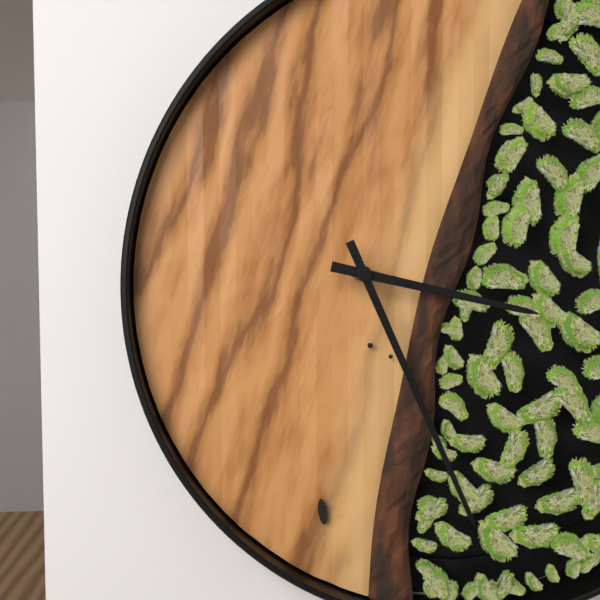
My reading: 3:26
